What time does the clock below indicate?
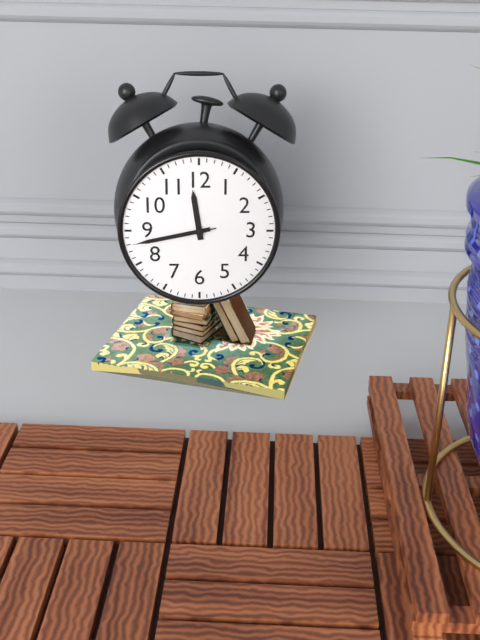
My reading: 11:43:43
